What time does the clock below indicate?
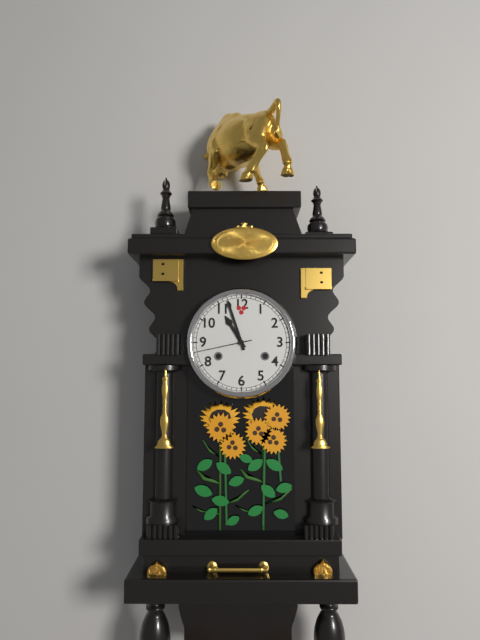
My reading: 10:57:43
